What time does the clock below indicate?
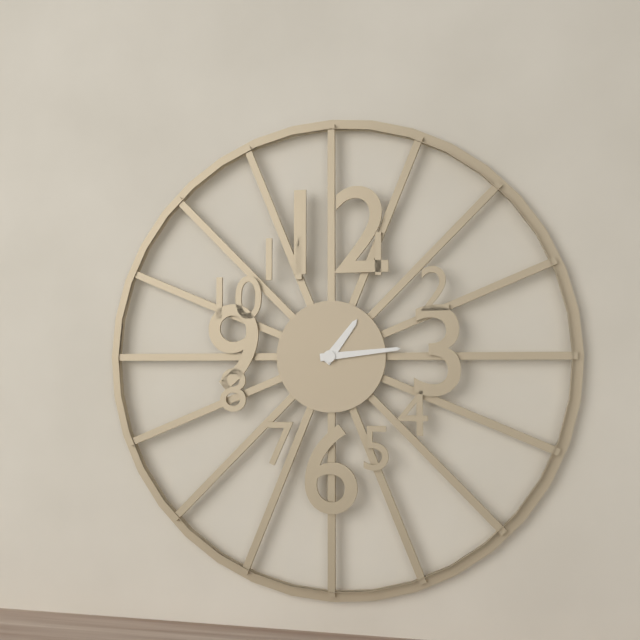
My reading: 1:14
